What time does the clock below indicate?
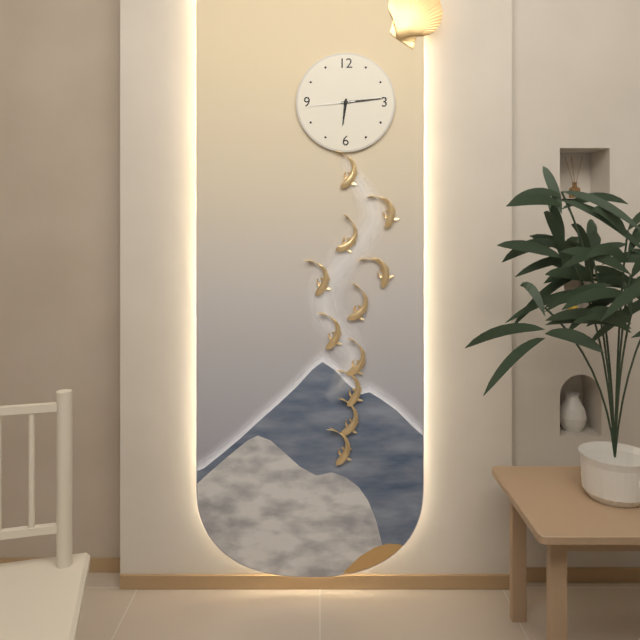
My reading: 6:14
